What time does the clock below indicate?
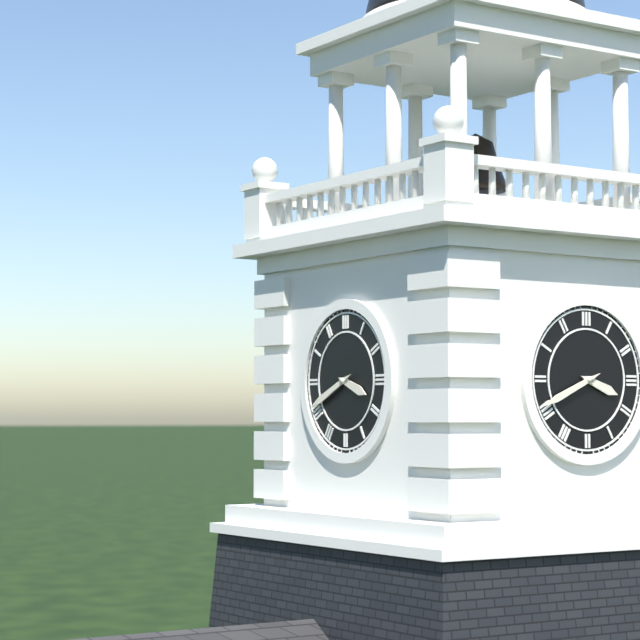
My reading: 3:41
